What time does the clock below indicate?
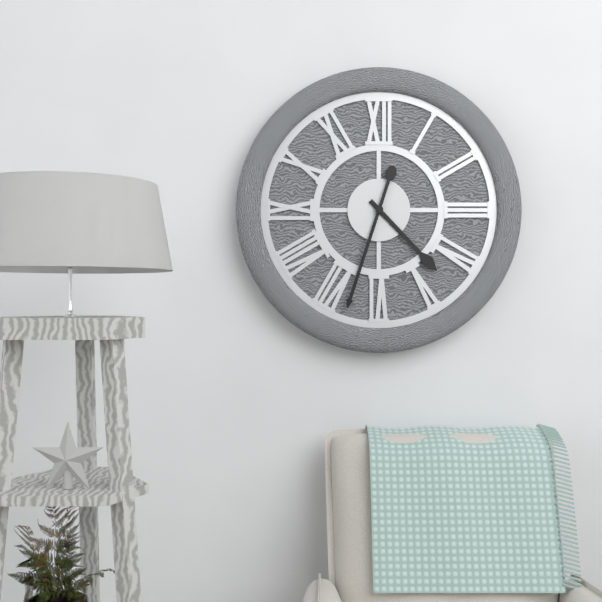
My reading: 4:33
